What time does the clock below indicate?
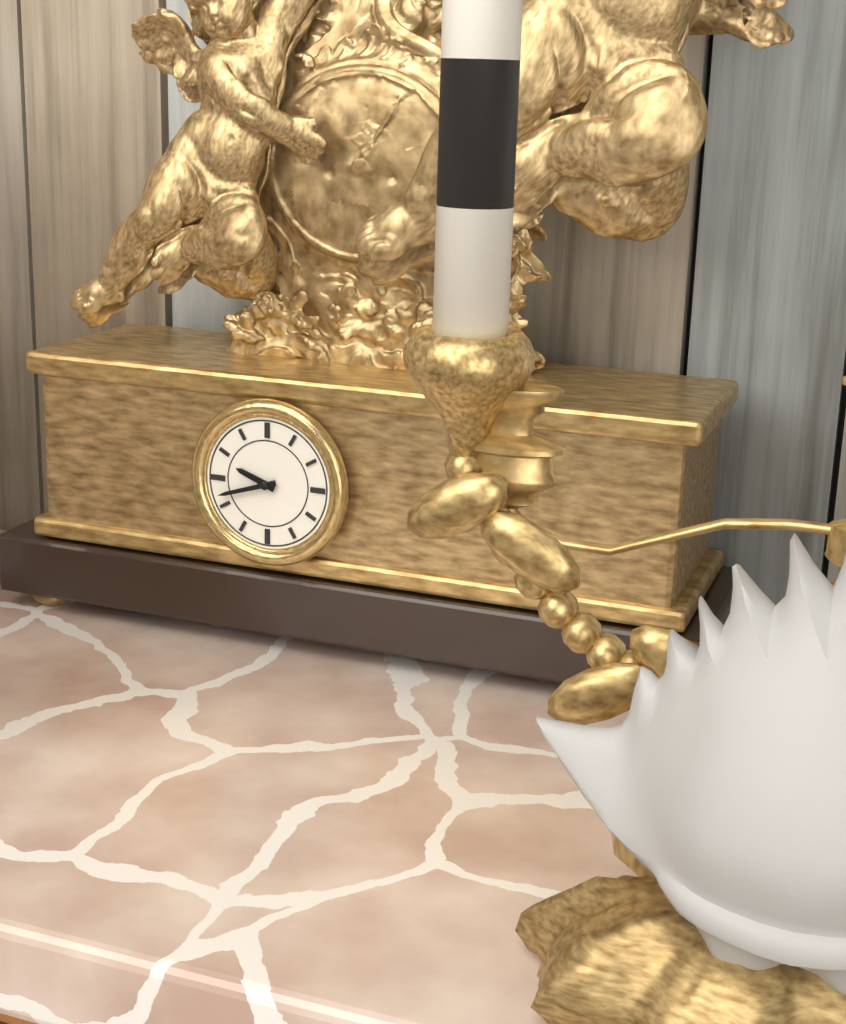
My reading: 9:42
